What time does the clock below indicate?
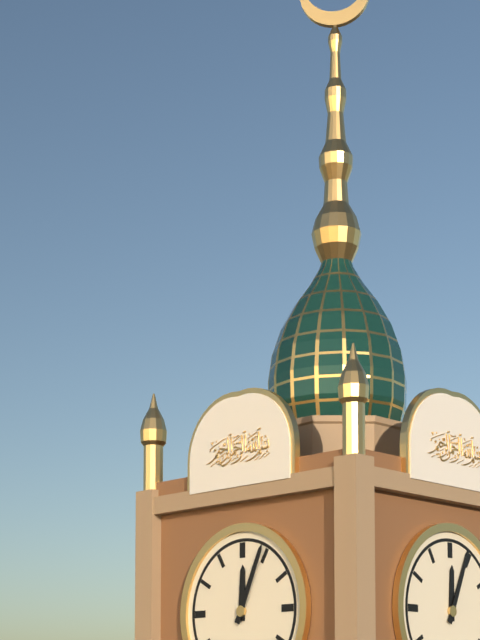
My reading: 12:04
